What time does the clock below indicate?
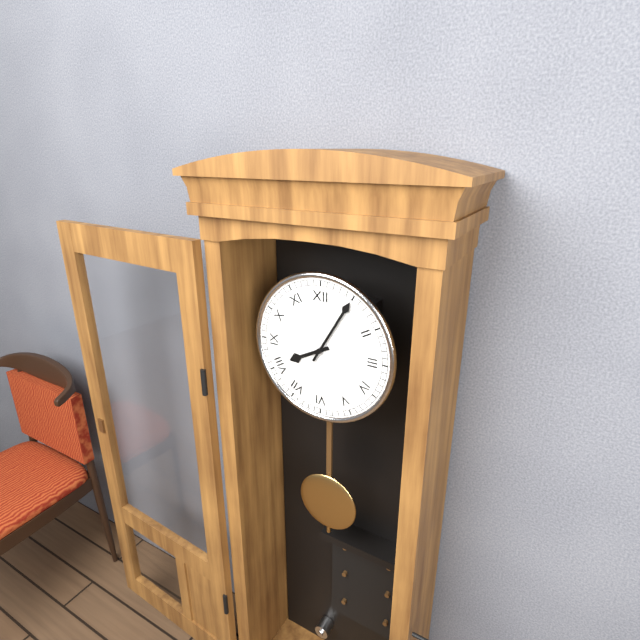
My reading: 8:05
